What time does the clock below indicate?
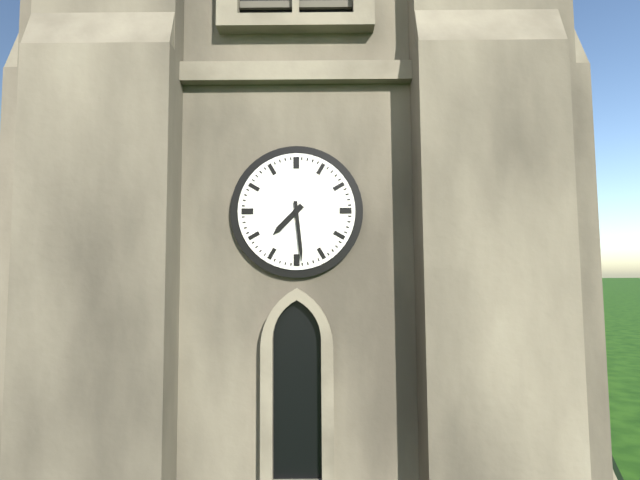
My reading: 7:29
